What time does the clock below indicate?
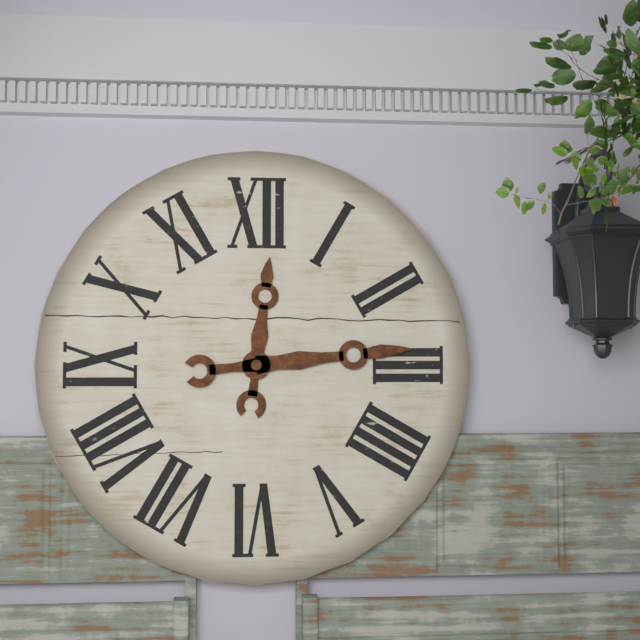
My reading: 12:14
